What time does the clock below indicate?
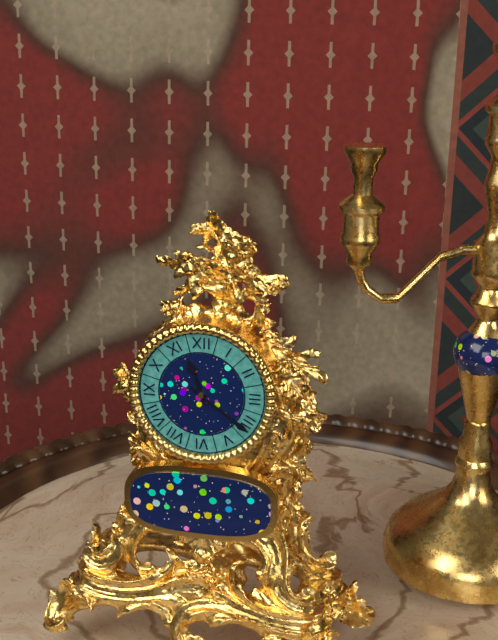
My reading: 11:21
